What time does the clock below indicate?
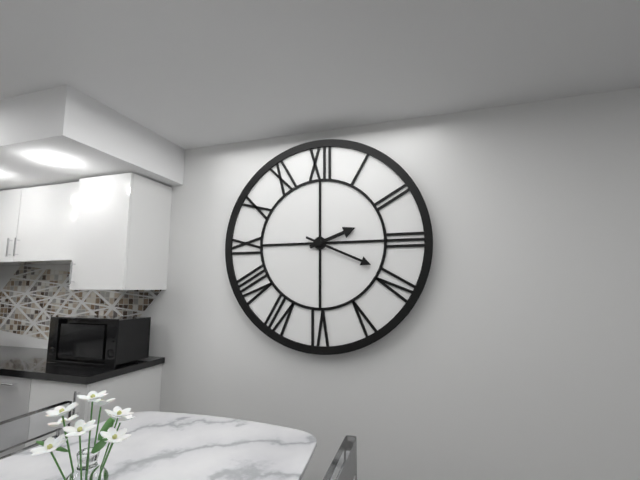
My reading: 2:19
